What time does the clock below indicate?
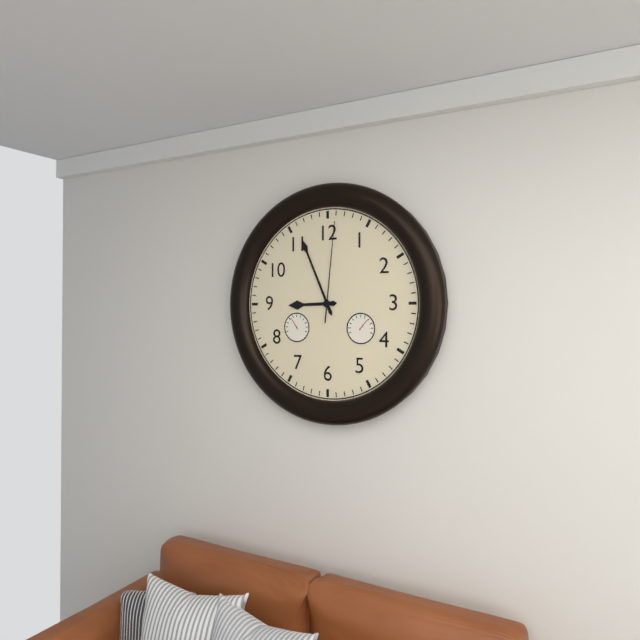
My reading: 8:56:01
